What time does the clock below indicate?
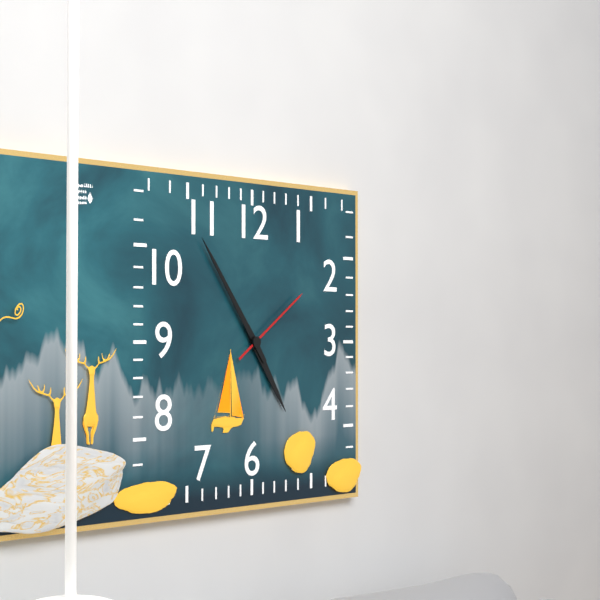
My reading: 4:54:09
